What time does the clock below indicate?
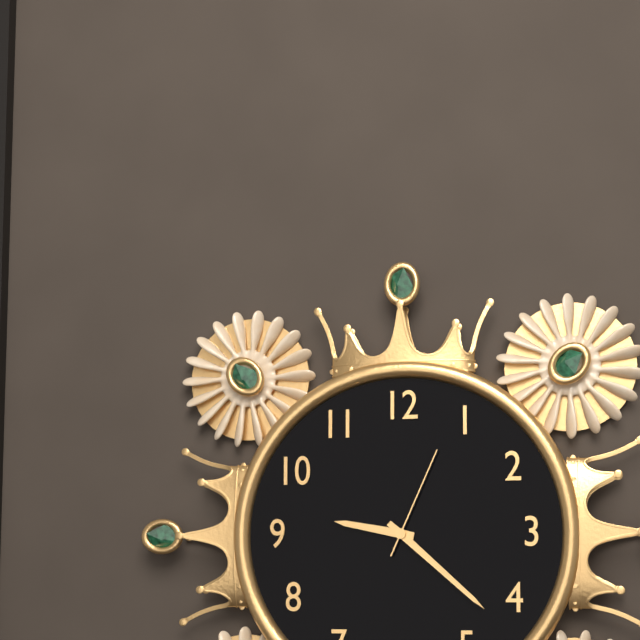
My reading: 9:22:04
